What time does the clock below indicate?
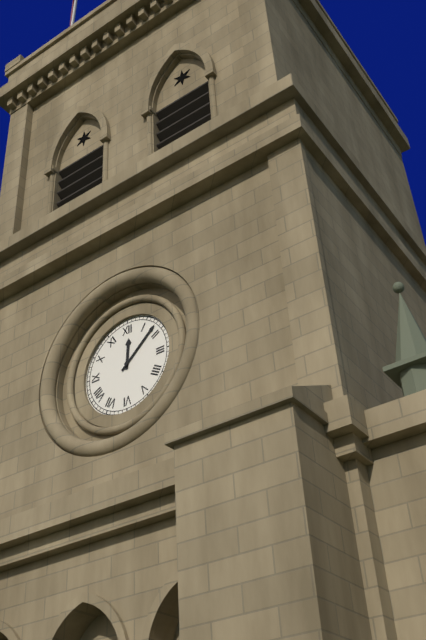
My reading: 12:08
